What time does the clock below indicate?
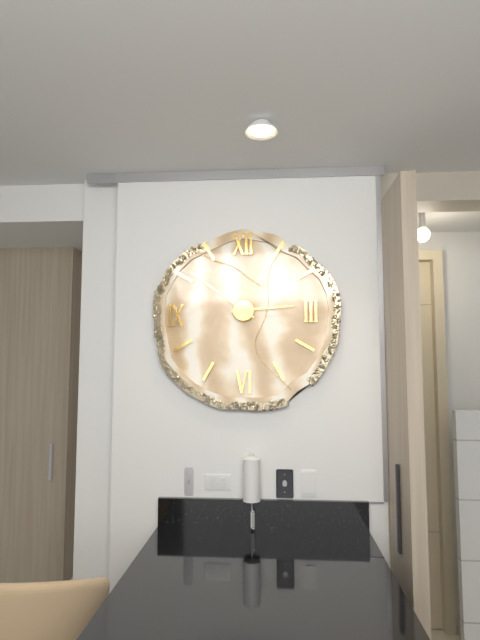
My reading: 2:51
